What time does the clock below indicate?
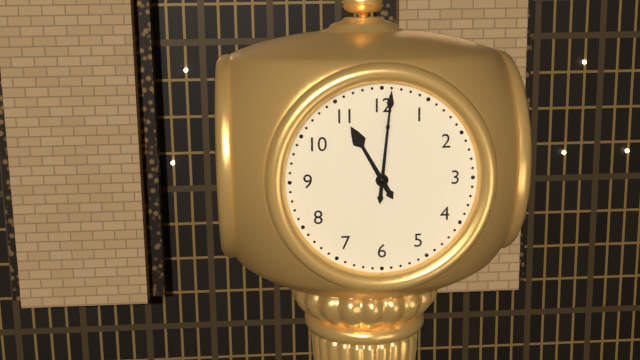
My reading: 11:01
